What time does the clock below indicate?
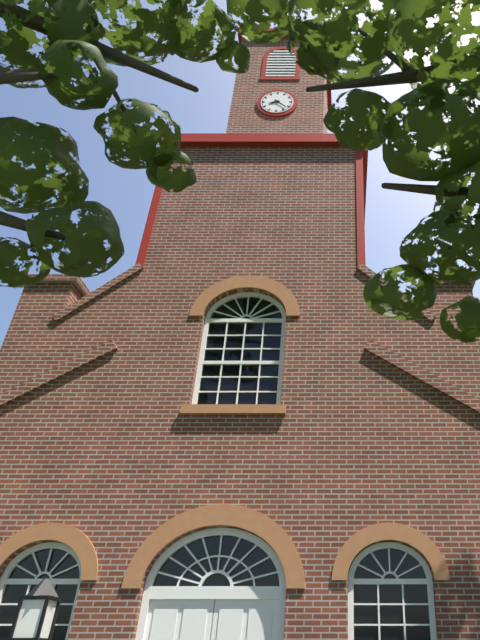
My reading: 8:22
